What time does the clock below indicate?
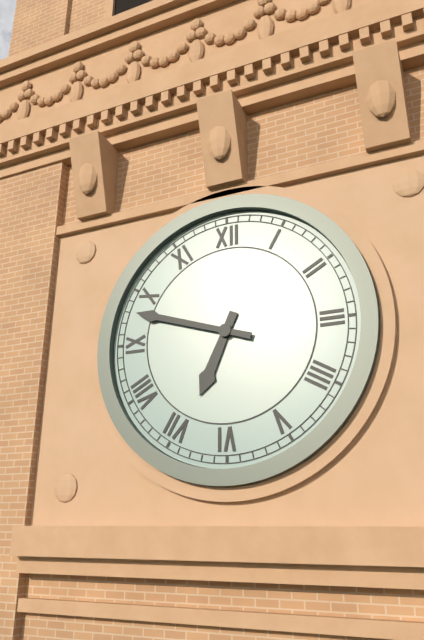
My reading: 6:48
